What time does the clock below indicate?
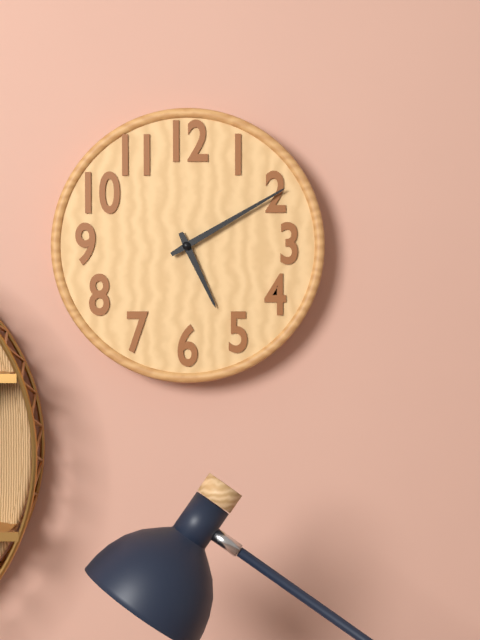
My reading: 5:10
